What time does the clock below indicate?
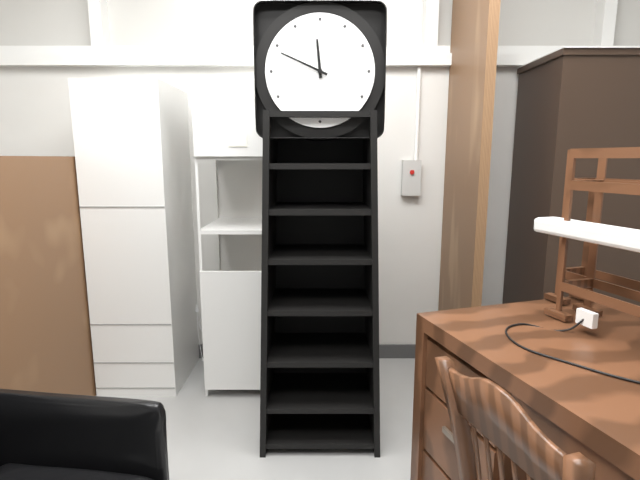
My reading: 11:49
